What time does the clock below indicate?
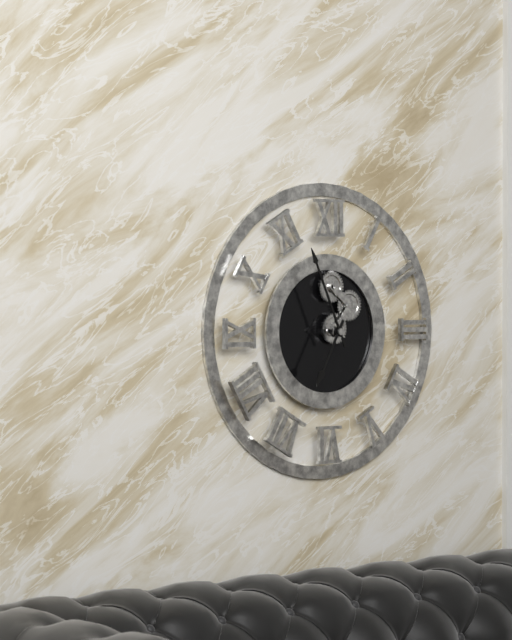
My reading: 6:56
